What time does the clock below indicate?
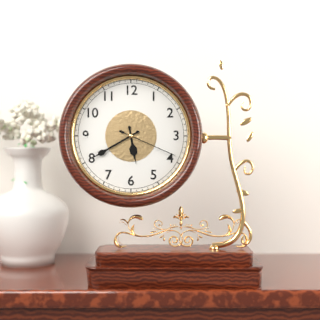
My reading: 5:40:19
